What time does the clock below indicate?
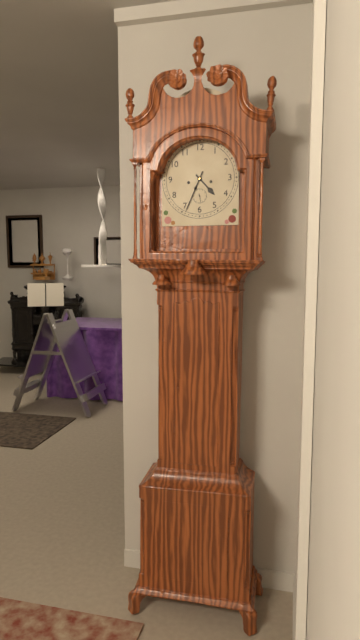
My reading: 4:34
